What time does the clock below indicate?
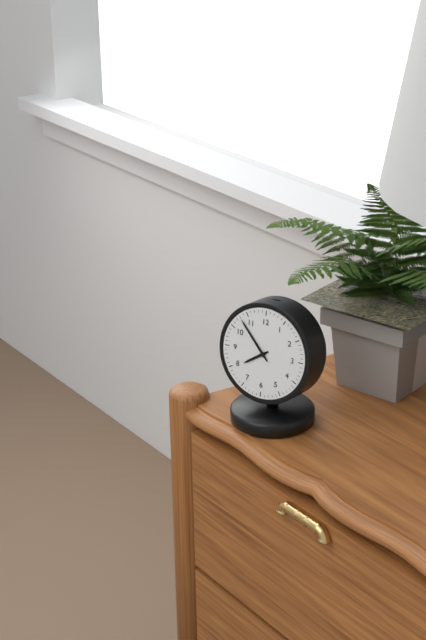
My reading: 7:53
